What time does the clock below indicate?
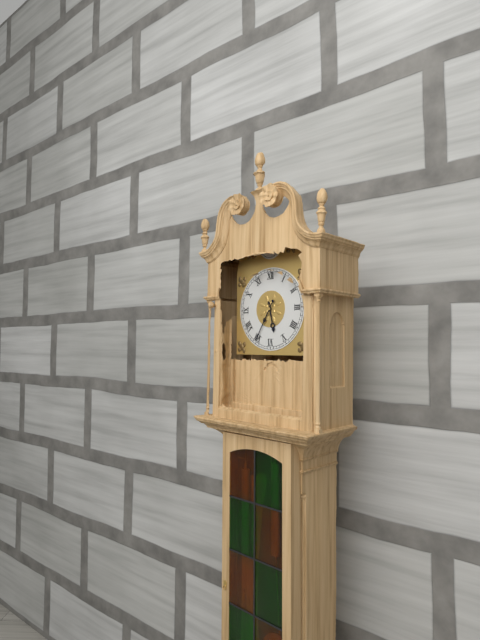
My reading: 5:35
